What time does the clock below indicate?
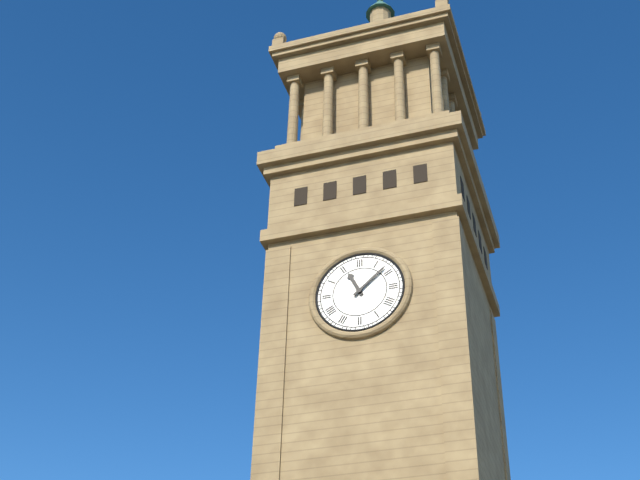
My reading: 11:08
